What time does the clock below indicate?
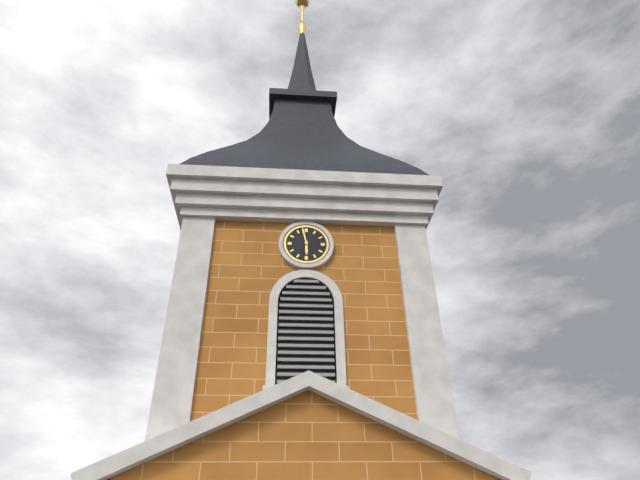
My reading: 5:58
